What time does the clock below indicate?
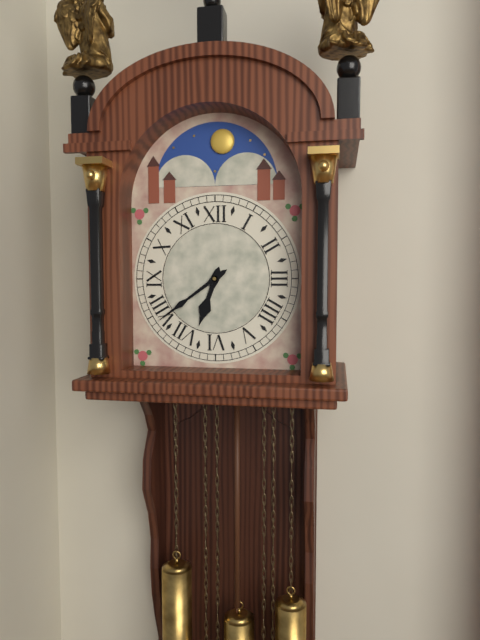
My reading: 6:39
